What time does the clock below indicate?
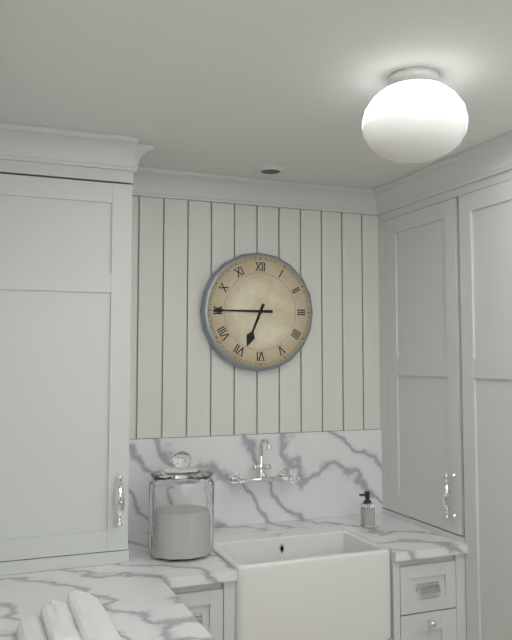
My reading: 6:45
